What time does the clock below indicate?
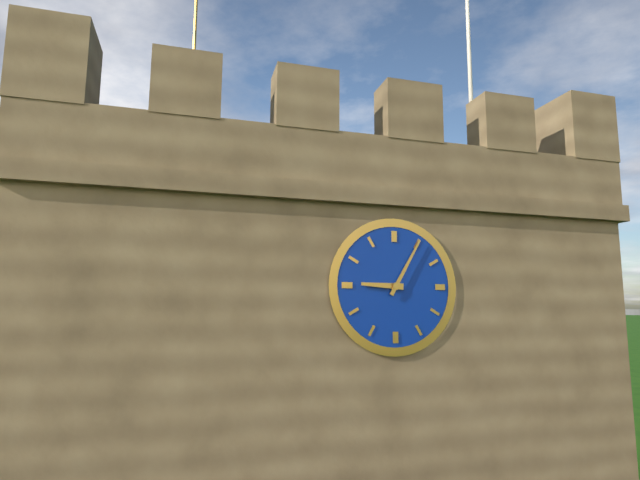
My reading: 9:05
